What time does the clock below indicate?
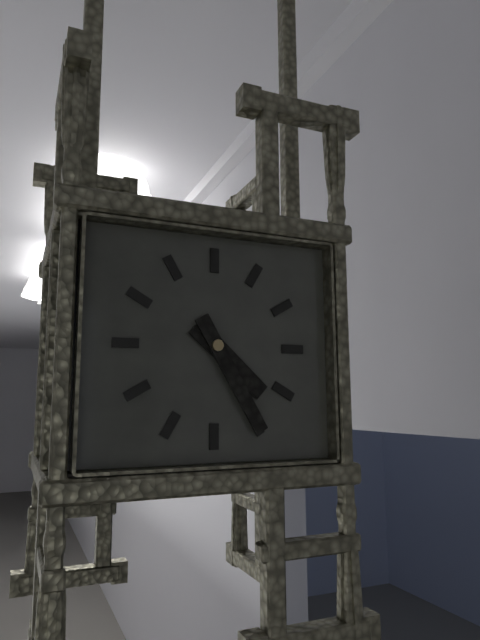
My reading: 4:25
